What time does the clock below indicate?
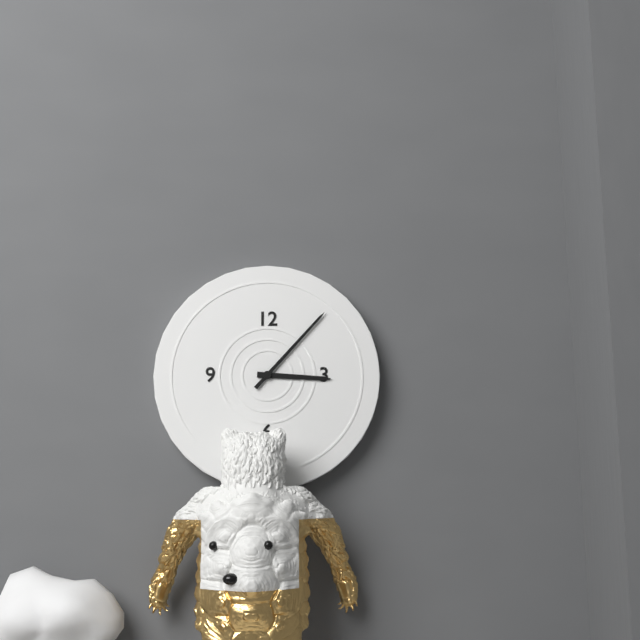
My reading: 3:07
